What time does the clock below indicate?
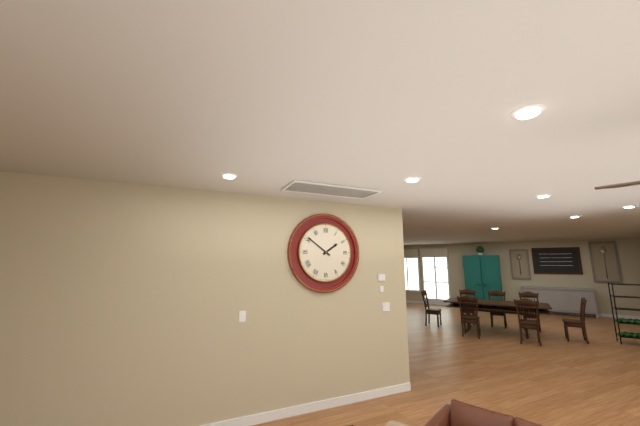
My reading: 1:51
